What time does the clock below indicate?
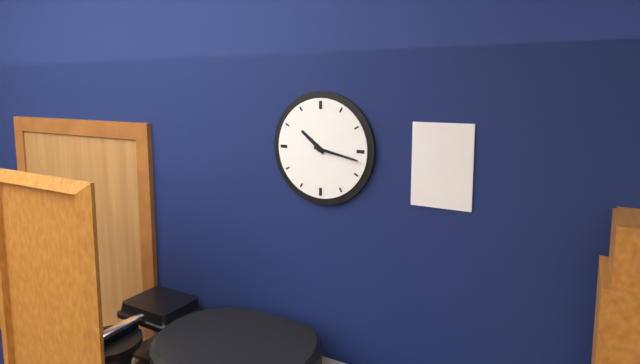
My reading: 10:17
